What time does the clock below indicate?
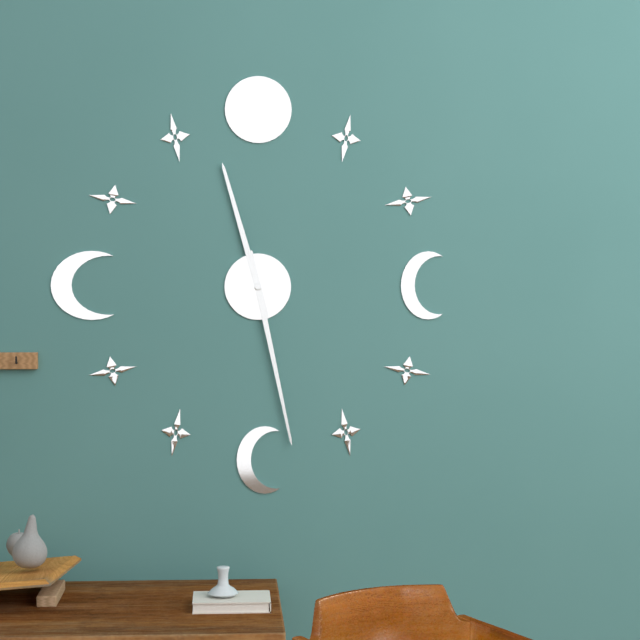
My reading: 11:28
